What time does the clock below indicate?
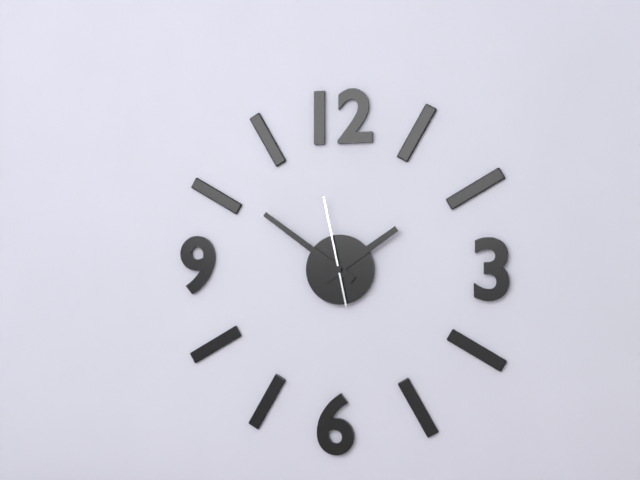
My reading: 1:51:58
